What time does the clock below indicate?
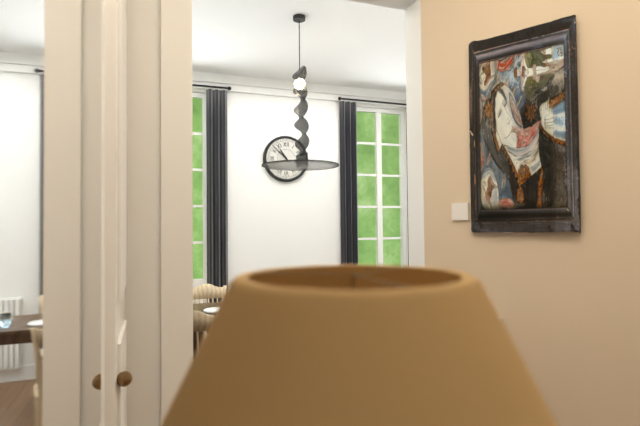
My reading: 10:52
